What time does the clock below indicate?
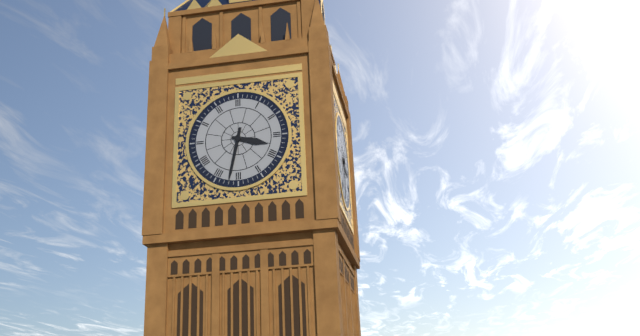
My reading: 3:32
